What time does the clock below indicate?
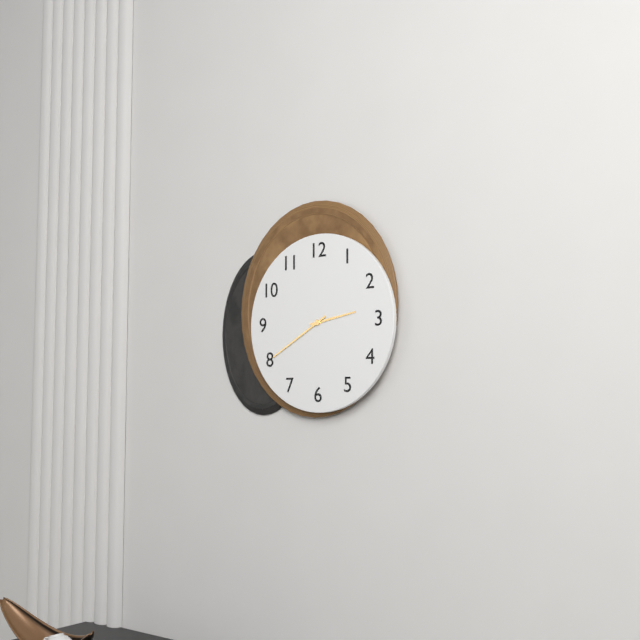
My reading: 2:40
